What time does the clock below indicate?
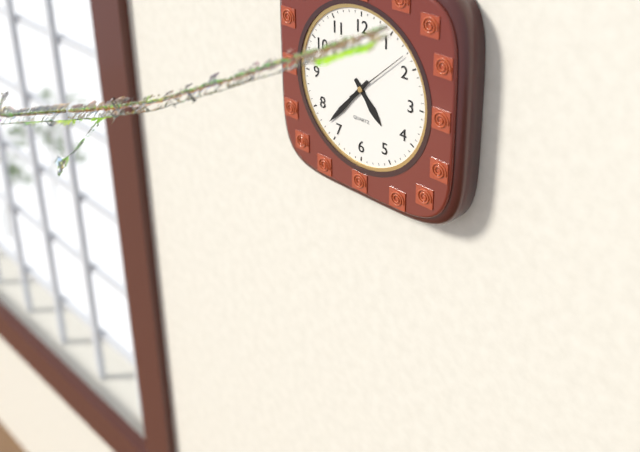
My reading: 4:37:08
